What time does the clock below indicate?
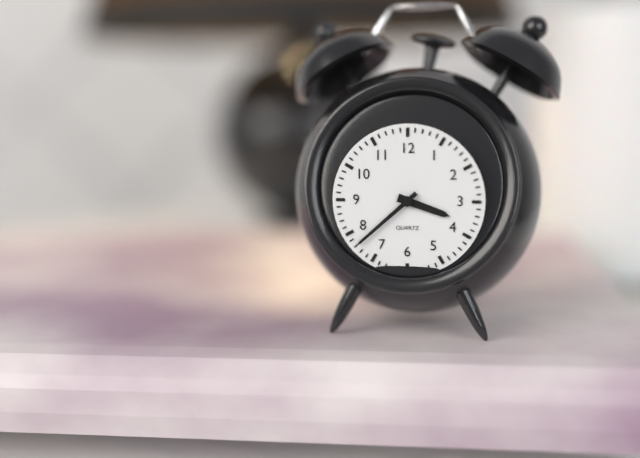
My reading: 3:38
